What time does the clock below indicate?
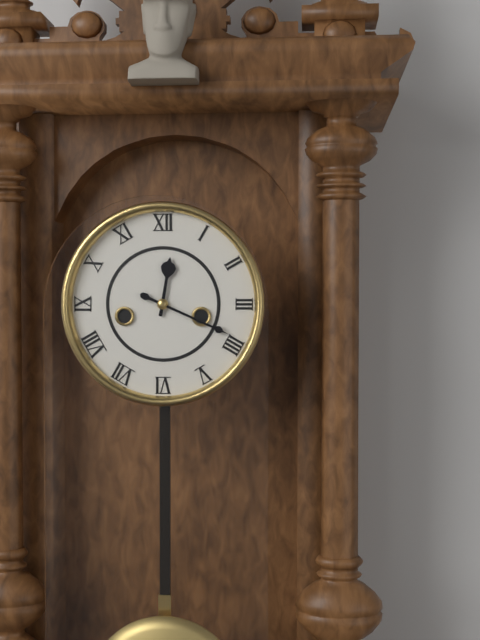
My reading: 12:19
